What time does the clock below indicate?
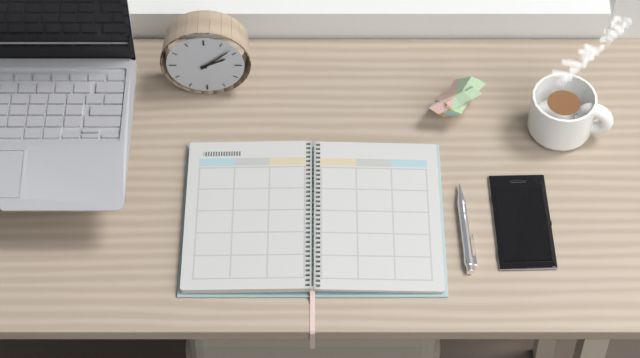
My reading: 2:08
